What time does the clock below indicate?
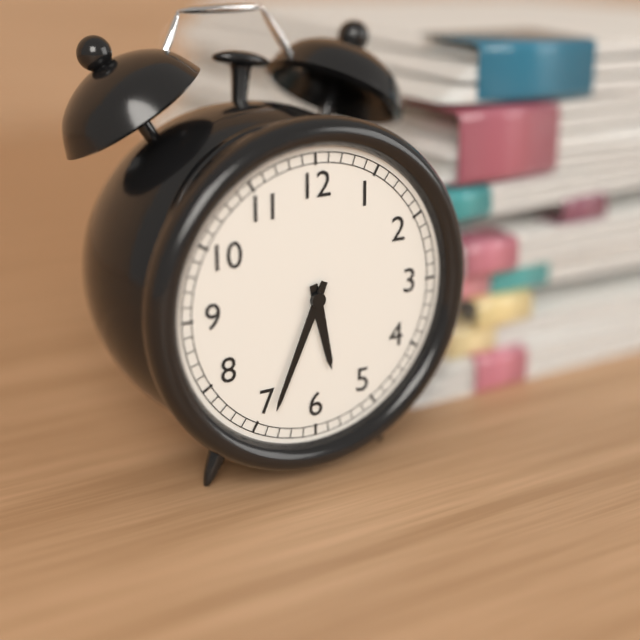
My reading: 5:34
